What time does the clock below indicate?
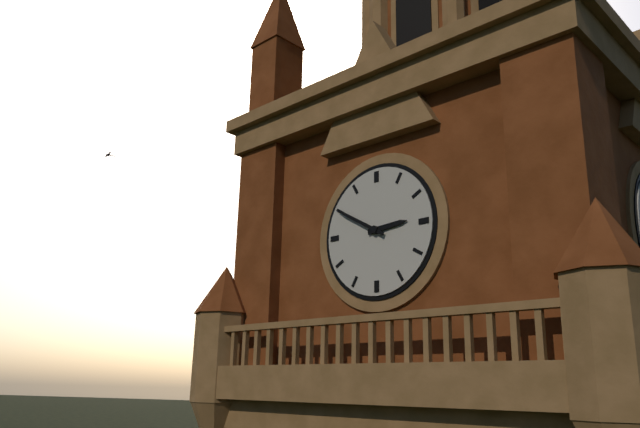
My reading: 2:50
